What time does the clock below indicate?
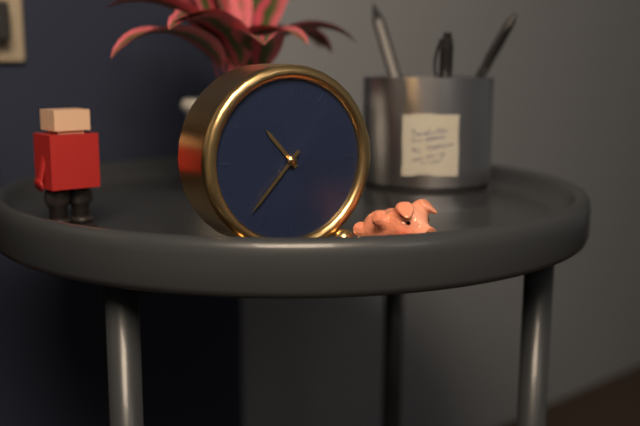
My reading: 10:37
